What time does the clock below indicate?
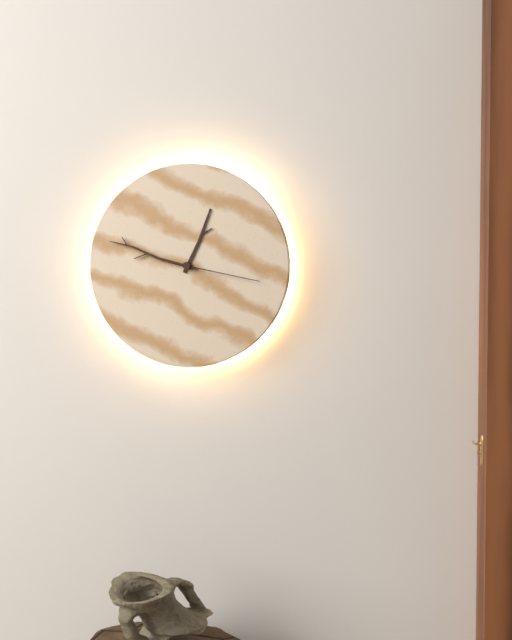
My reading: 12:48:17
